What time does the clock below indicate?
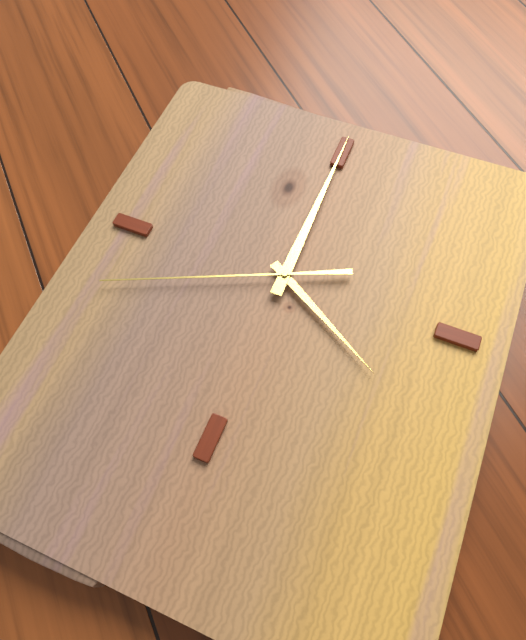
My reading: 4:00:41
